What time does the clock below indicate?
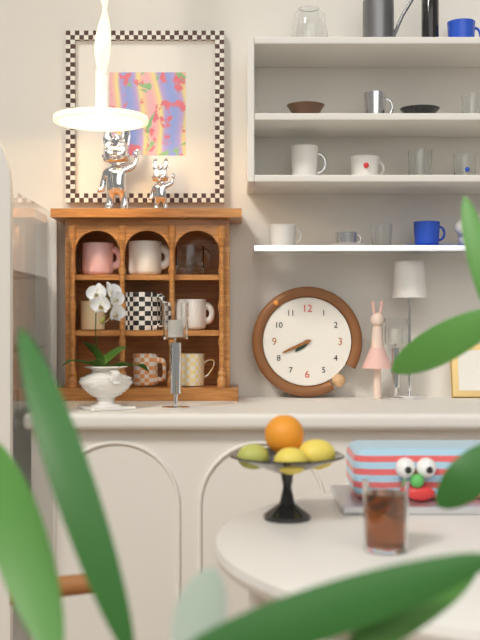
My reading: 7:41
